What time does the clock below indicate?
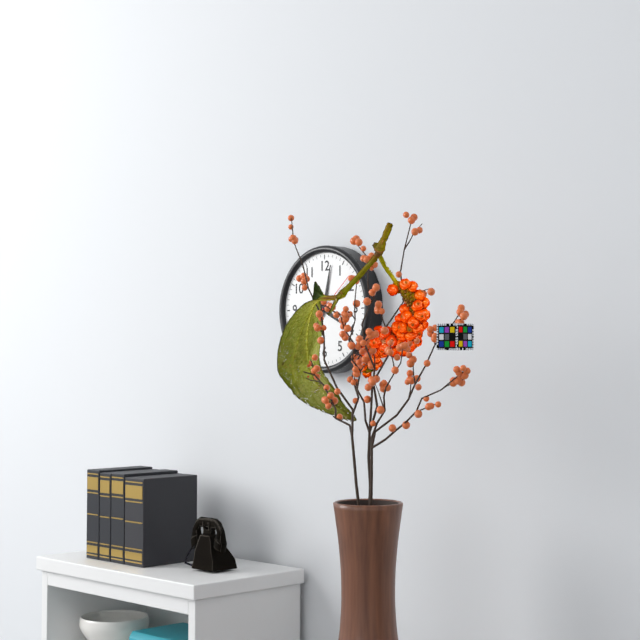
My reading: 4:02:08
